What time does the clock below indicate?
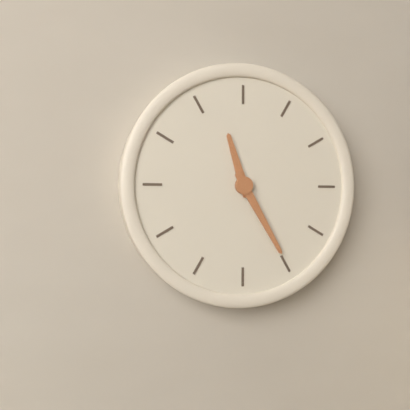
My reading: 11:25
